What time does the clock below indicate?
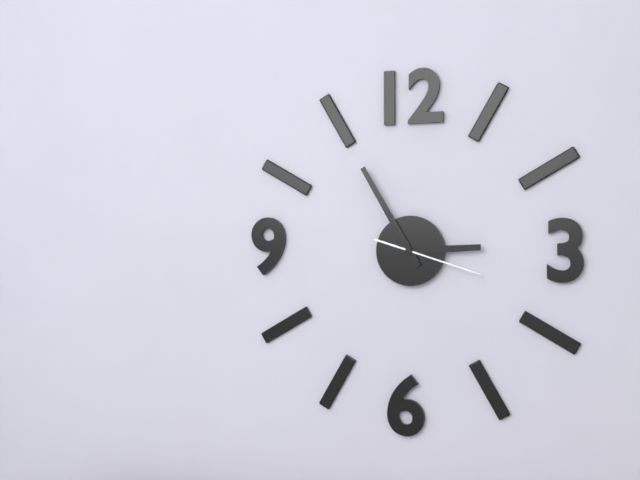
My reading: 2:55:18
